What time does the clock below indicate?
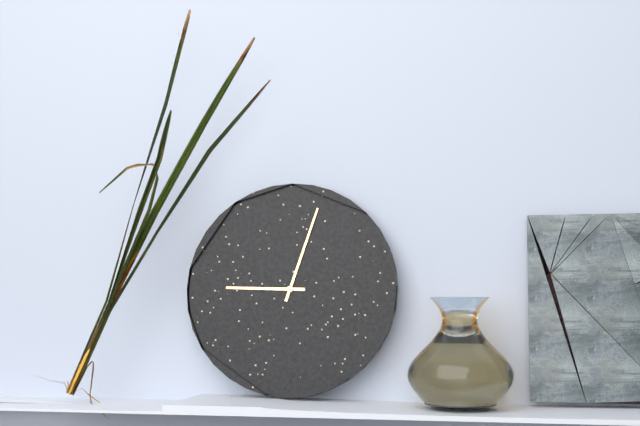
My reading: 9:03
